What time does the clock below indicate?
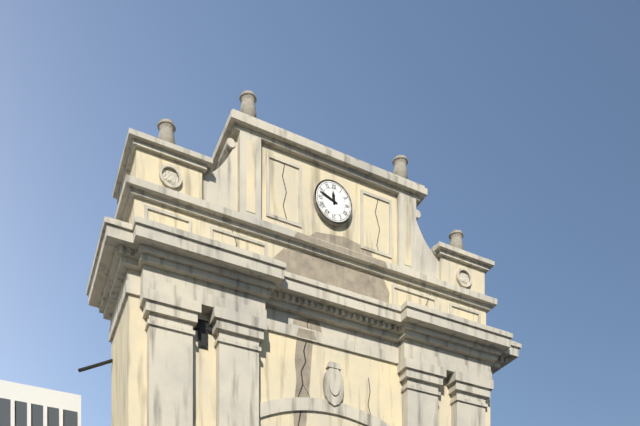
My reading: 11:48
